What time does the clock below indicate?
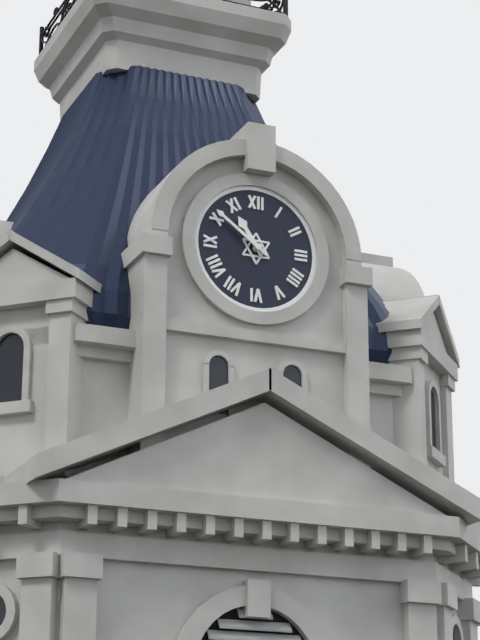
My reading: 10:51
